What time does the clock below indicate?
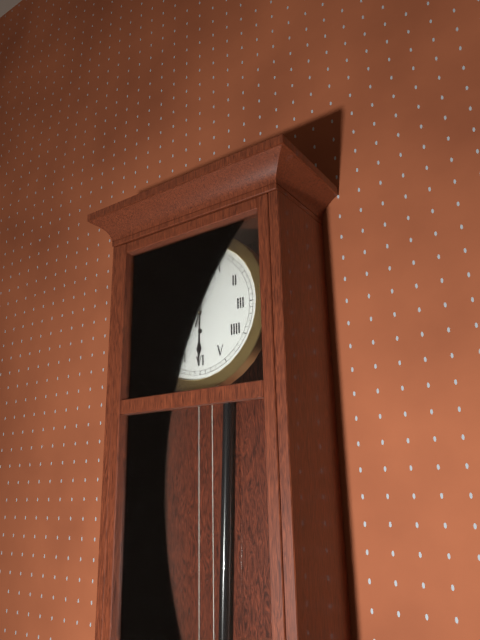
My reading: 6:03
